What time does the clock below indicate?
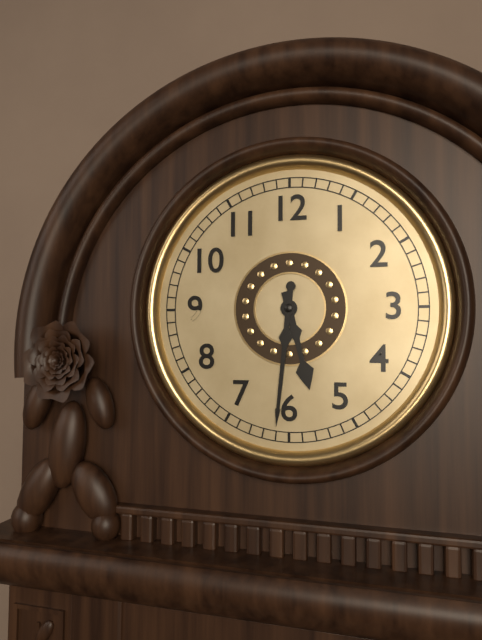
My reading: 5:31
